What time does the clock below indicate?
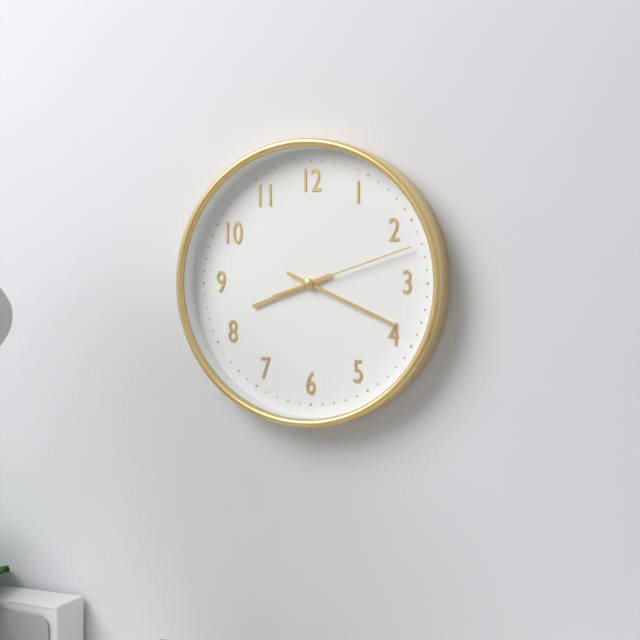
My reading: 8:19:12
